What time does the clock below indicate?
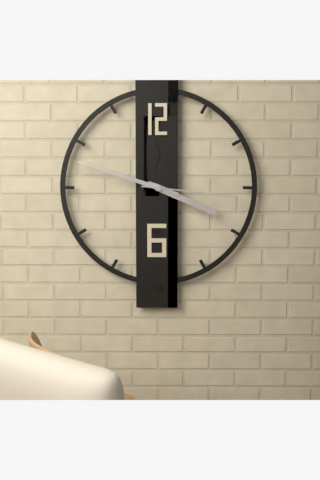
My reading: 3:48:16
